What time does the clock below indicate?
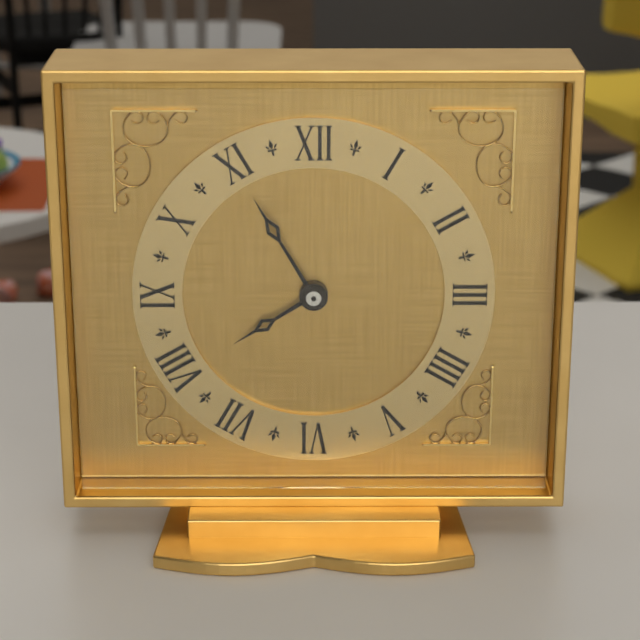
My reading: 7:55
